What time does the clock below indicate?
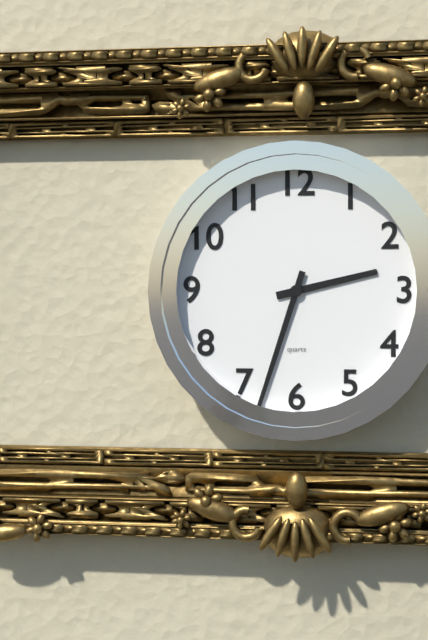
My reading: 2:33
